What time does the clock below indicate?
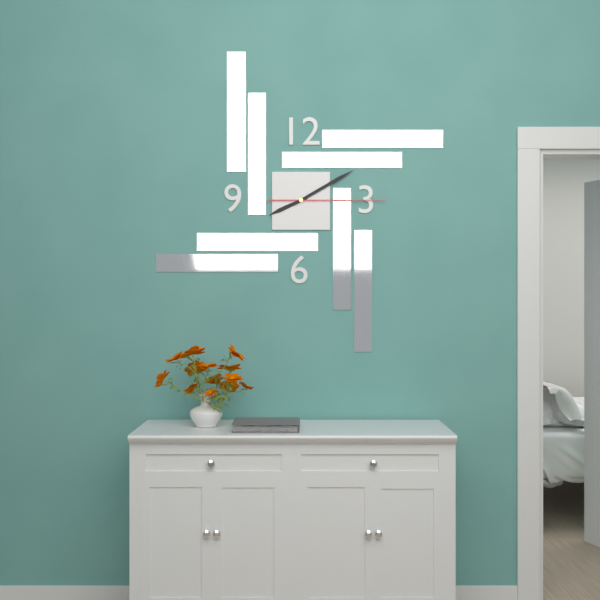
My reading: 8:10:15
